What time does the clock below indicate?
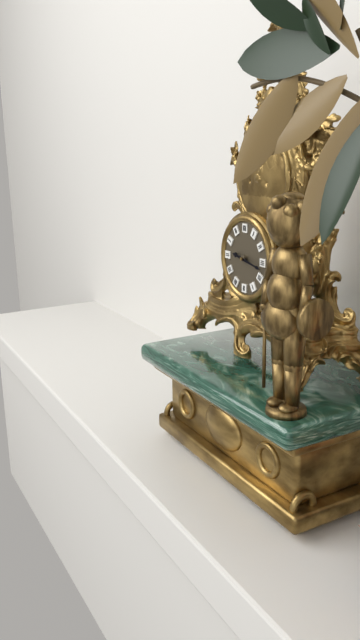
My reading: 9:17
